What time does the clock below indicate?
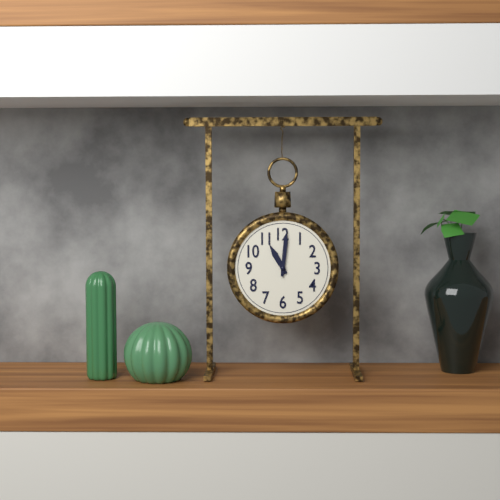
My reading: 11:01
